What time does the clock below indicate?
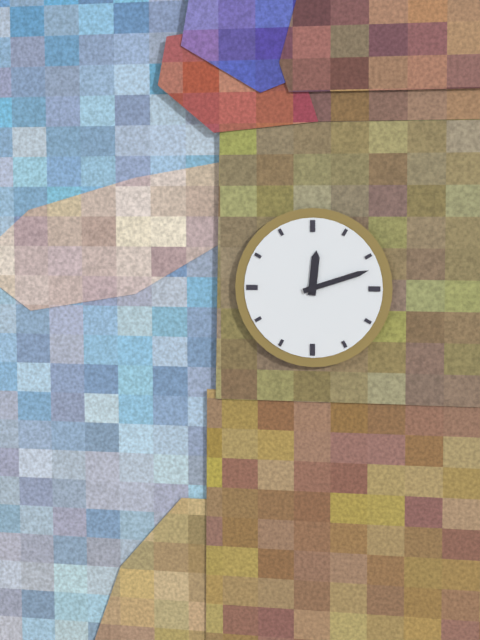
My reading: 12:12
